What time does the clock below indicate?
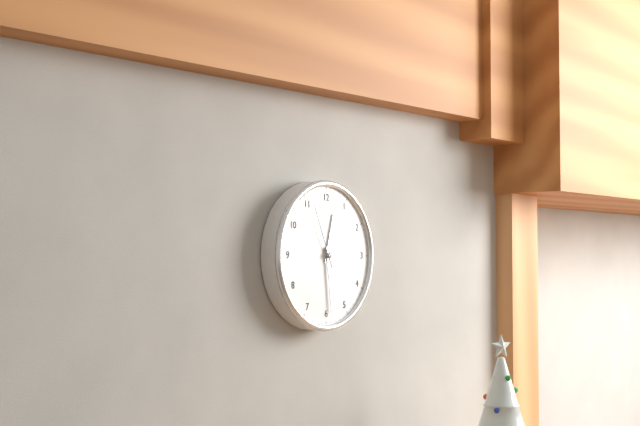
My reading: 12:29:56
